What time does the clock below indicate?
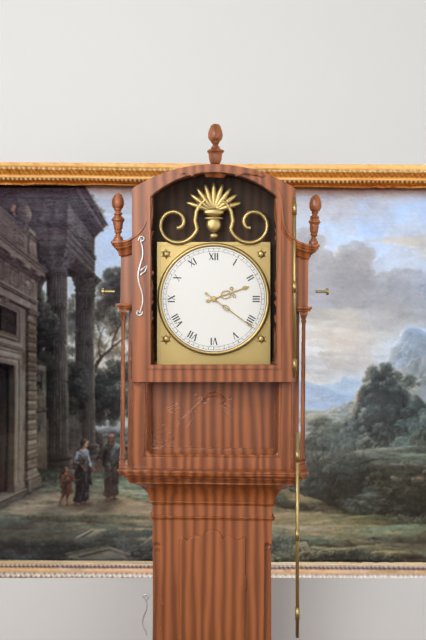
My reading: 2:21
